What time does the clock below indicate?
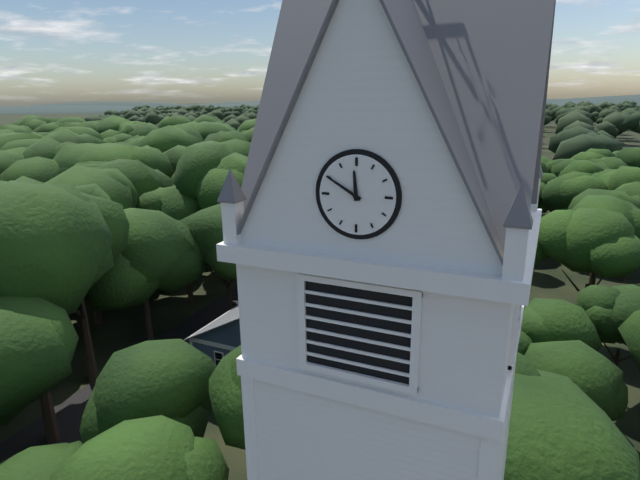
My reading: 11:50
